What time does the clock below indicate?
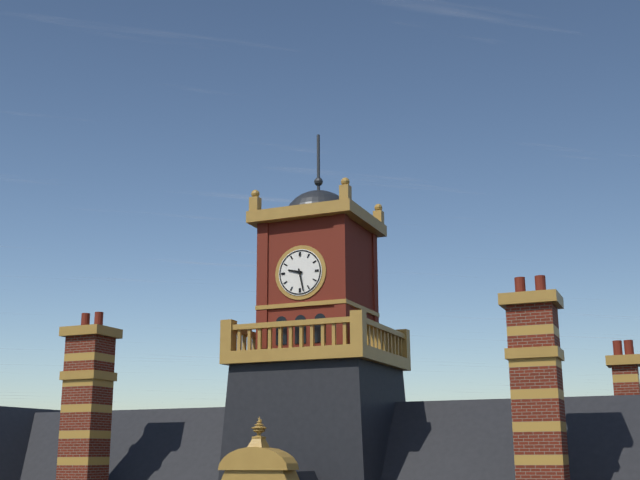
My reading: 9:28
